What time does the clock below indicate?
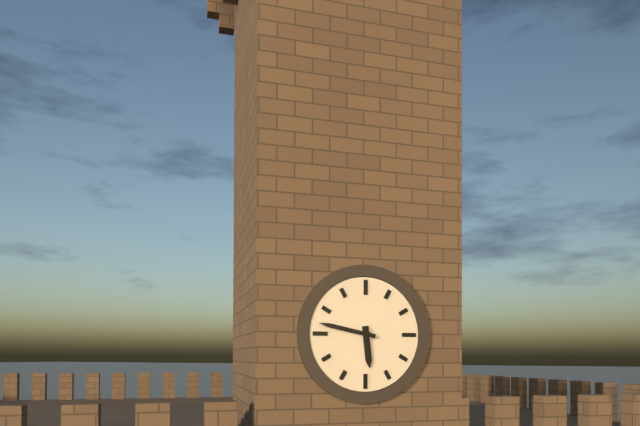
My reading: 5:47
